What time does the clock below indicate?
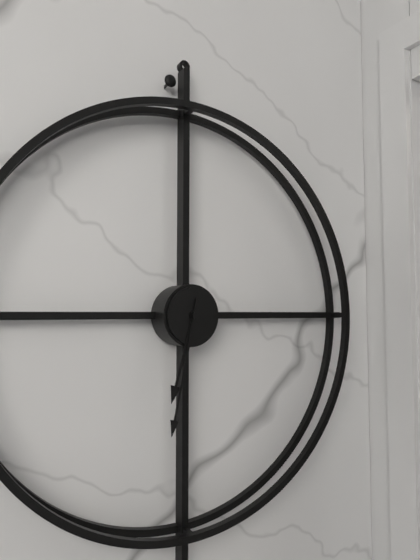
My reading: 6:32
